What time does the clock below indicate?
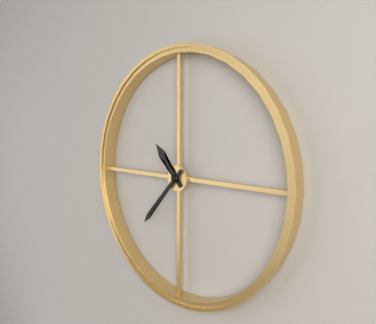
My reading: 10:37
